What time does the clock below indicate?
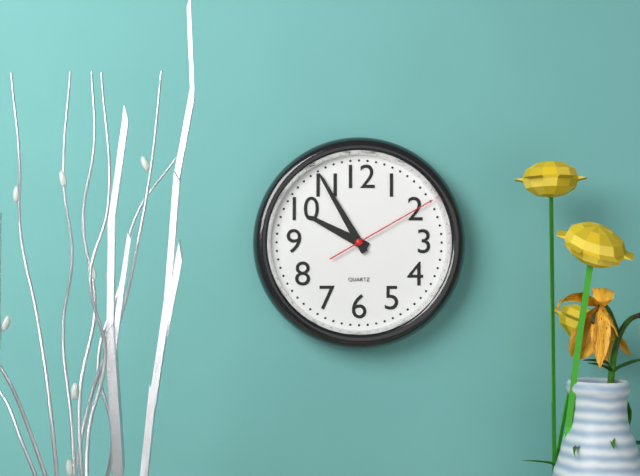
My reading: 9:55:10
